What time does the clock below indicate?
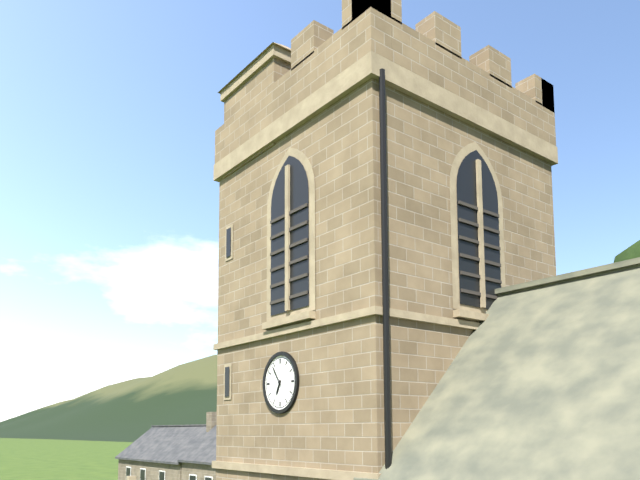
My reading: 6:54
